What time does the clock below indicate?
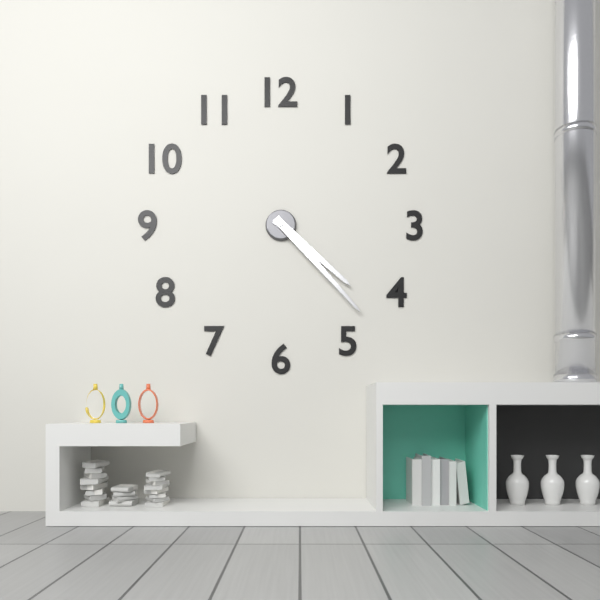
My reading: 4:23
